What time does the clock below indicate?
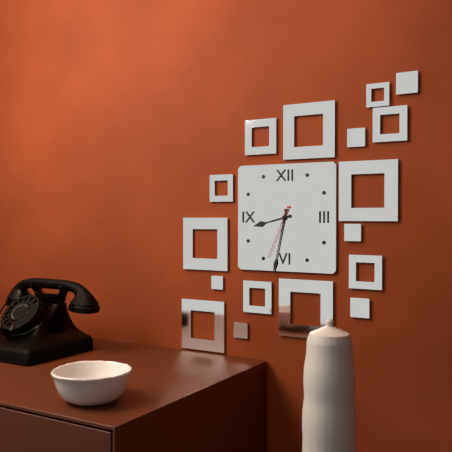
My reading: 8:32:34
